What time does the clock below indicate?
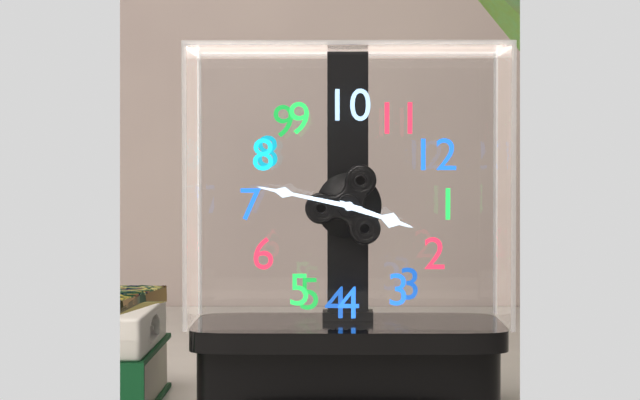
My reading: 1:37
